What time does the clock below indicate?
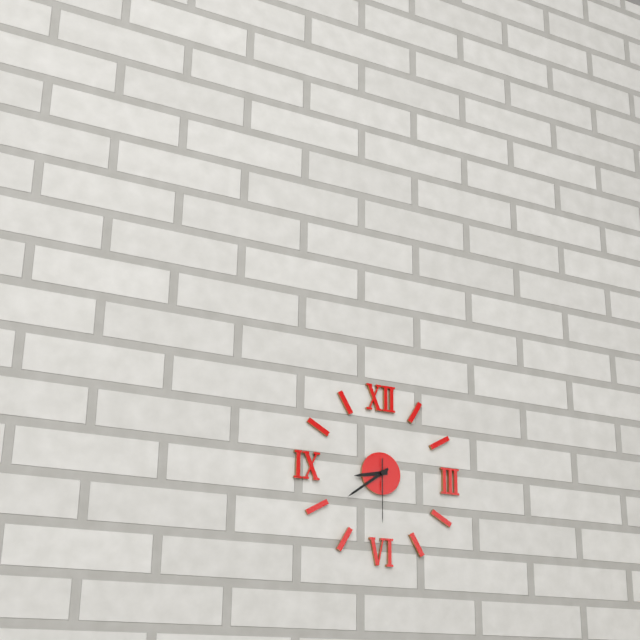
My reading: 8:39:30
